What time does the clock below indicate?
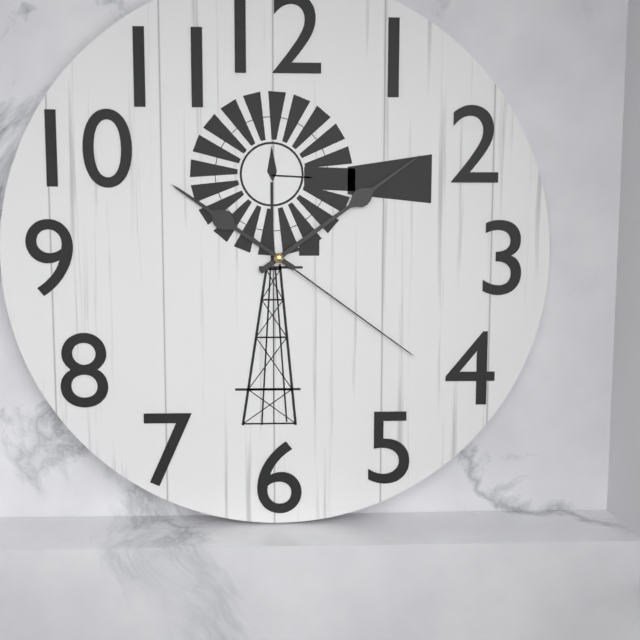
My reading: 10:09:21
